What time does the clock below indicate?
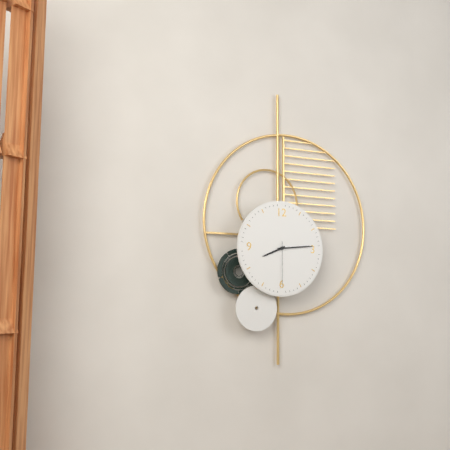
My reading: 8:14:30
